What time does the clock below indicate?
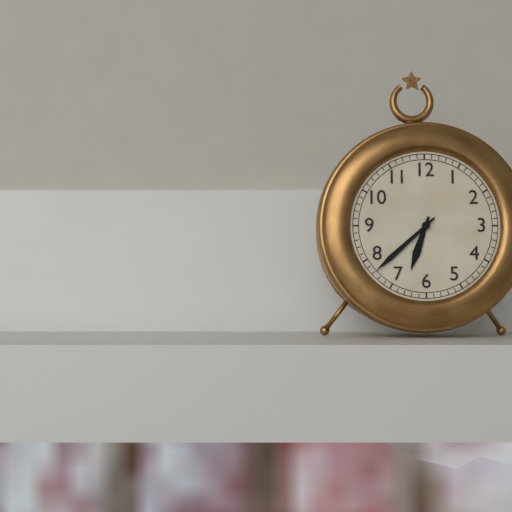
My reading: 6:38
